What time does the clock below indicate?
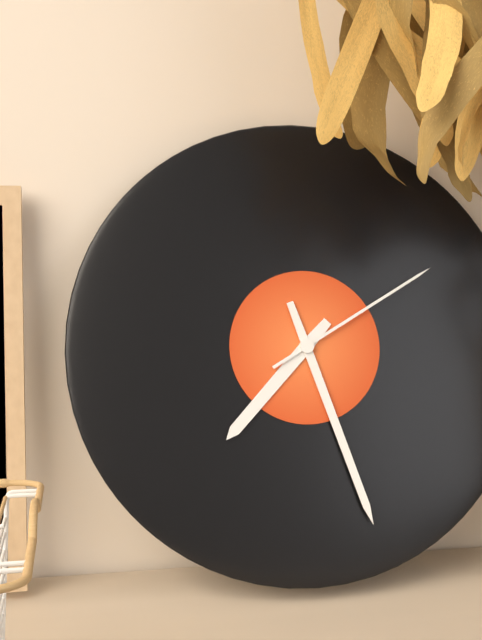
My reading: 7:27:10
